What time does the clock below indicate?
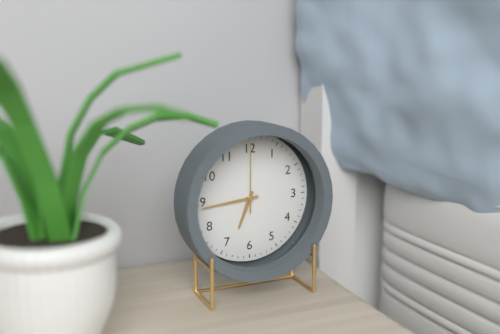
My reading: 6:44:00
